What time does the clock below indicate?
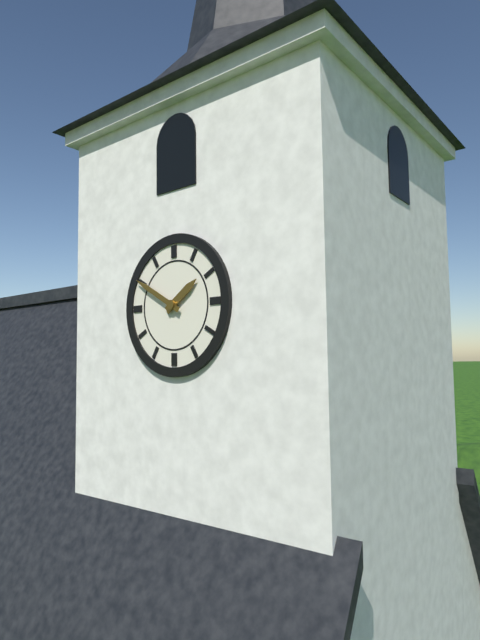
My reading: 1:50
